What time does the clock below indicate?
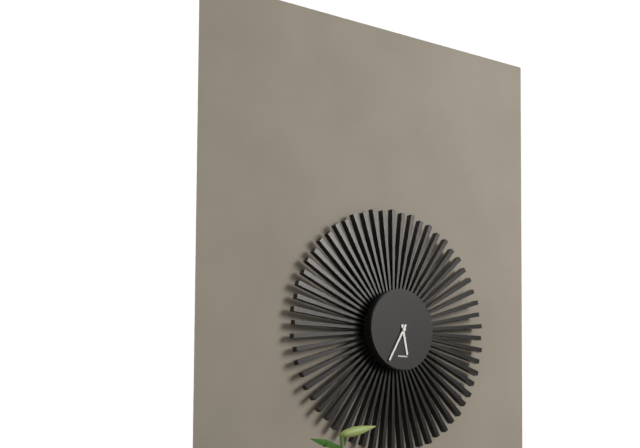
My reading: 5:35
